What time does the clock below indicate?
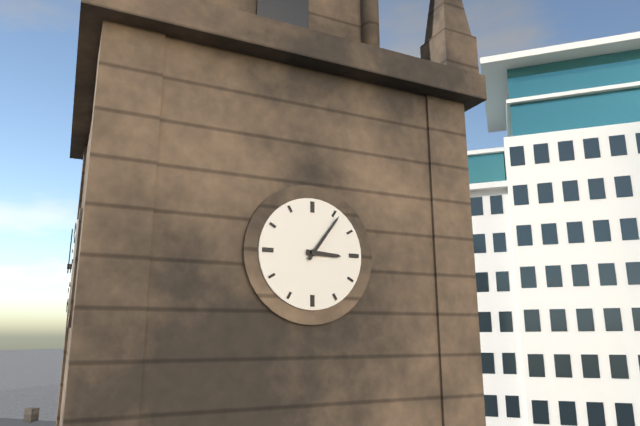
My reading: 3:06
